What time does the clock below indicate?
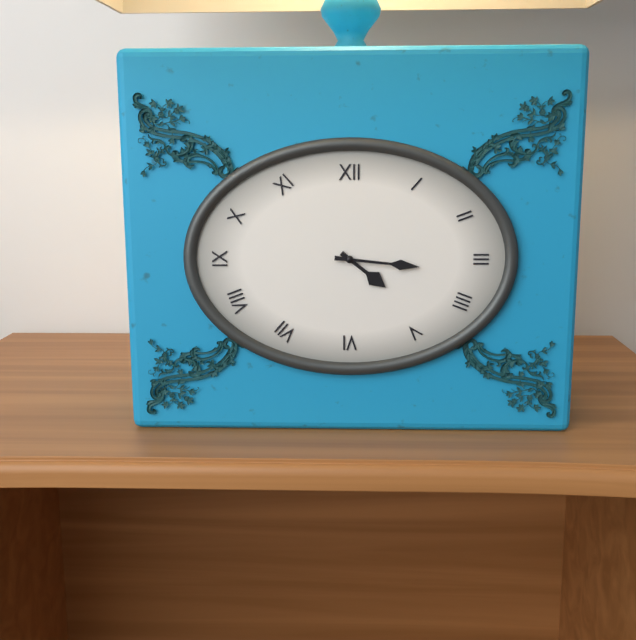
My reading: 4:16
